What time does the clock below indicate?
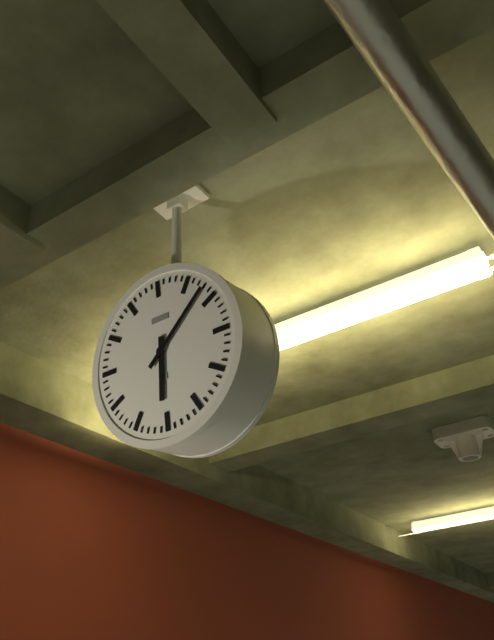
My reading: 6:08
